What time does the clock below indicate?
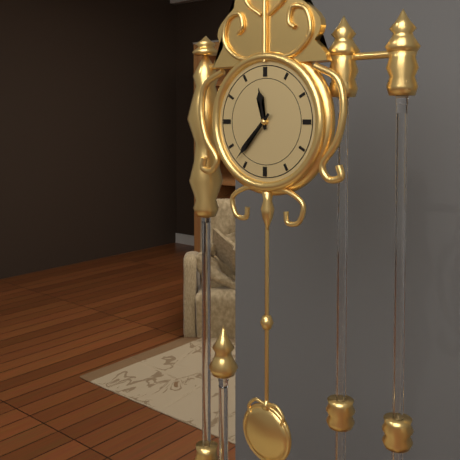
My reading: 11:37
